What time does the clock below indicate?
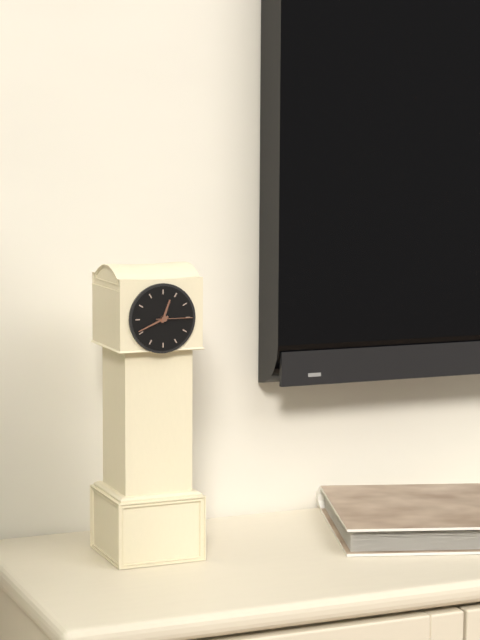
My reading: 12:41
